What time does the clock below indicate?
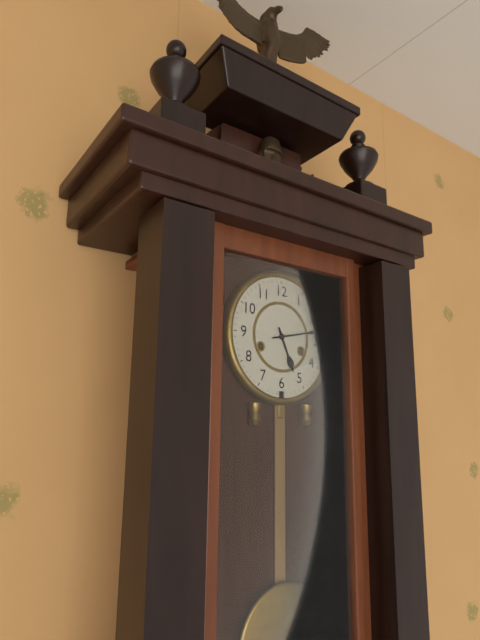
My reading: 5:13
